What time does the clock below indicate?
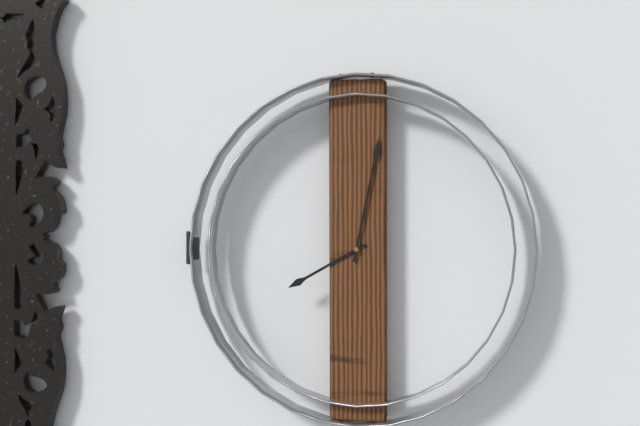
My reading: 8:02
